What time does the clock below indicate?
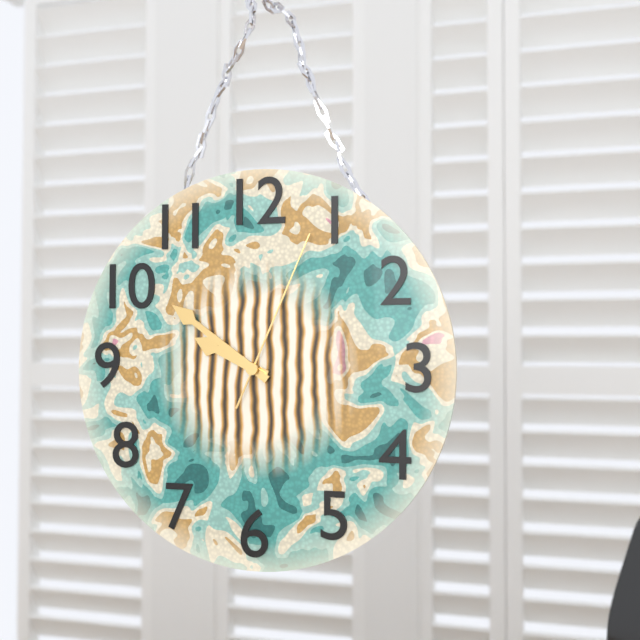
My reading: 9:51:04
